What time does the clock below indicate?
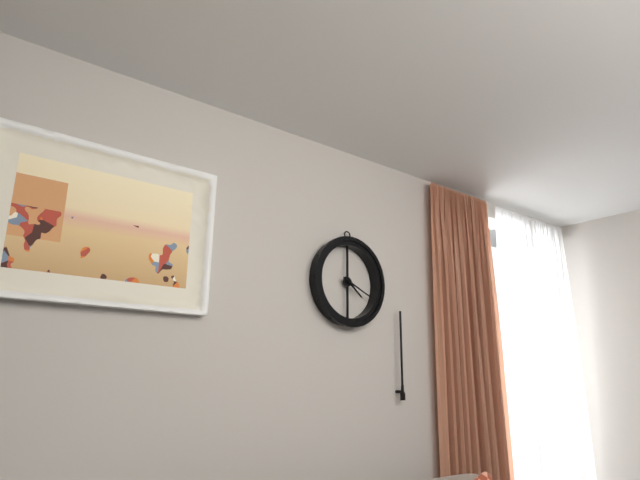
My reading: 4:19
